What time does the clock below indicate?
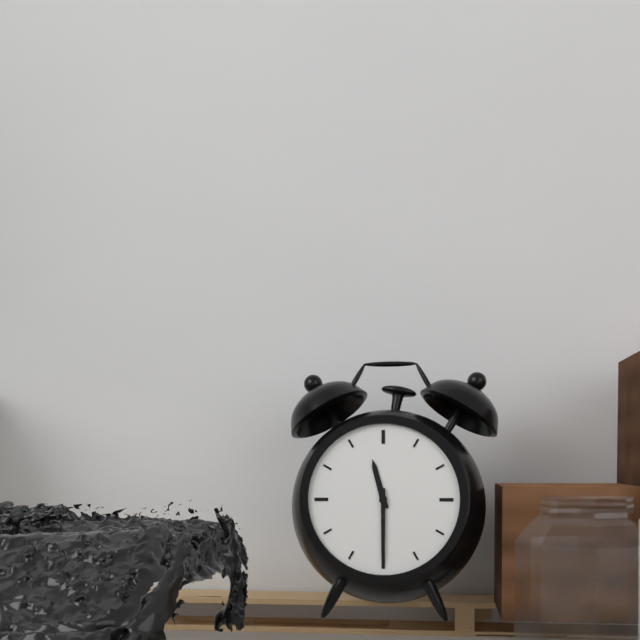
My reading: 11:30
